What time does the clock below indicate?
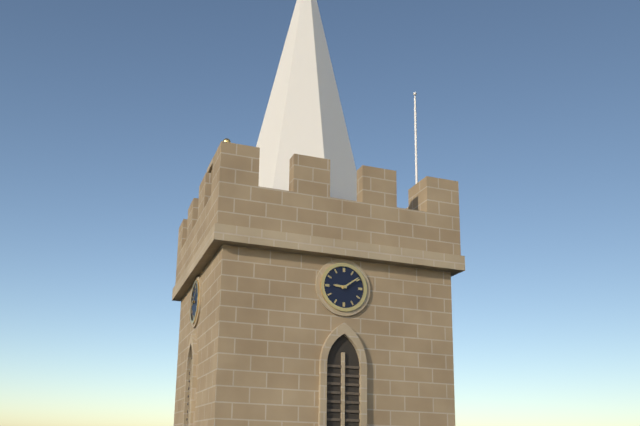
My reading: 9:09
